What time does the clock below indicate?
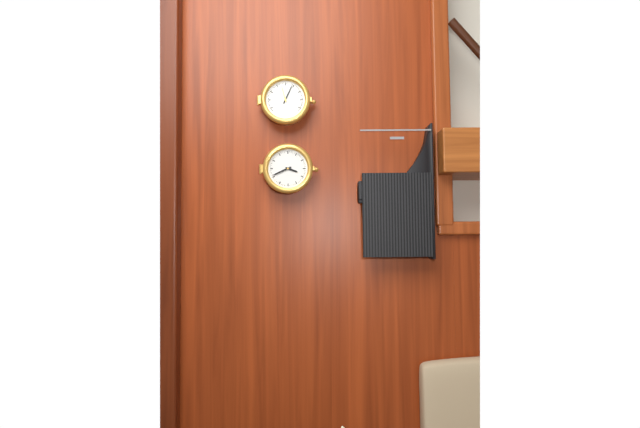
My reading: 3:41
